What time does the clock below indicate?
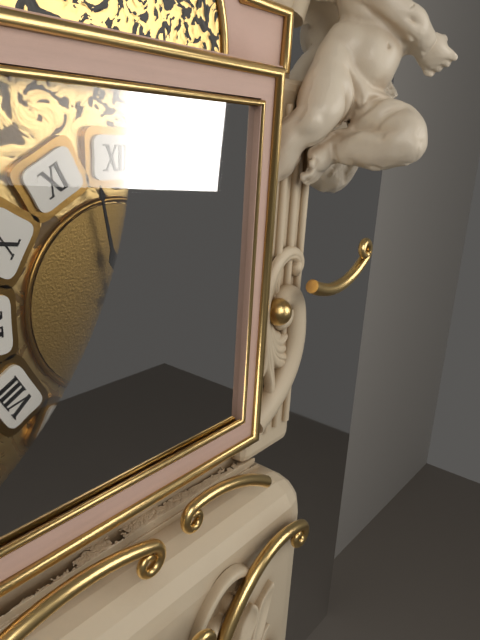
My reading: 2:58
